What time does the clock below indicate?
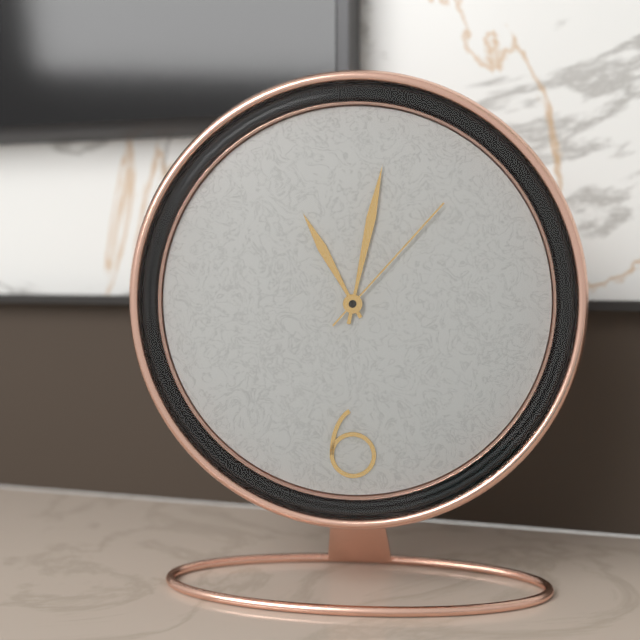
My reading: 11:02:07
